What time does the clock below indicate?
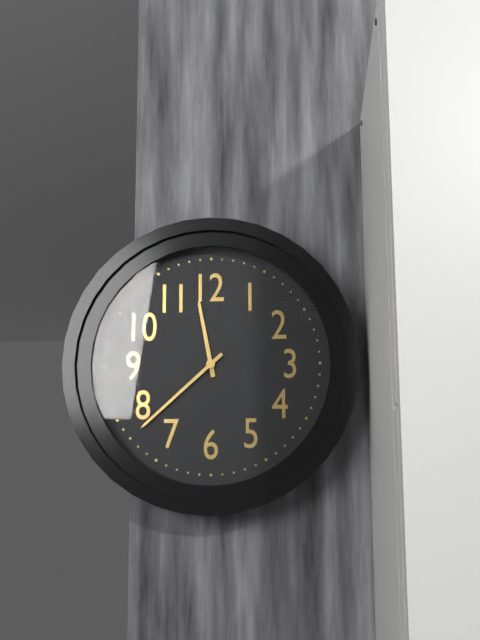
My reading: 11:38
